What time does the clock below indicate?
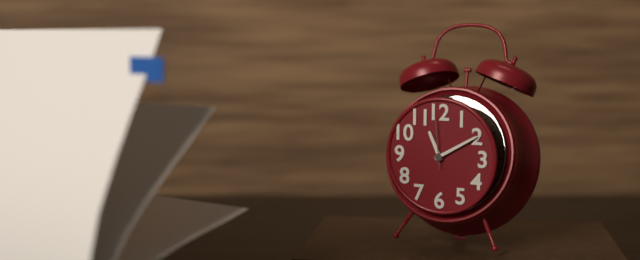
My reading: 11:10:59
